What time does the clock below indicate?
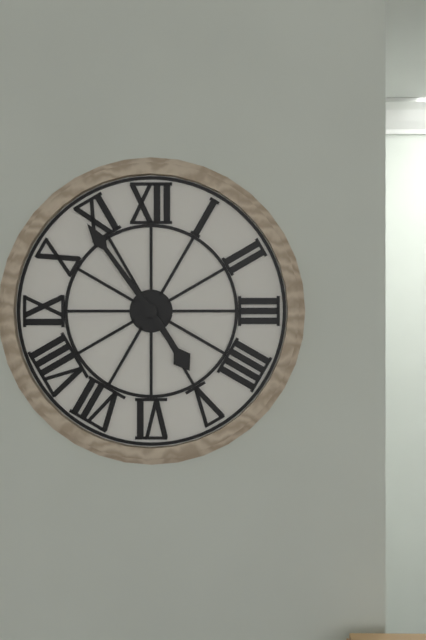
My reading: 4:54
